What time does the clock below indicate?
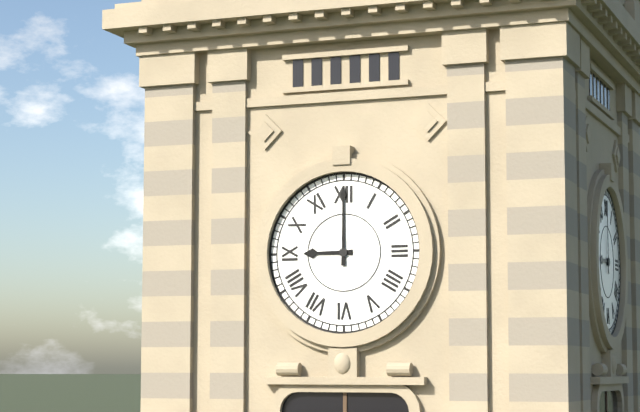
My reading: 9:00
